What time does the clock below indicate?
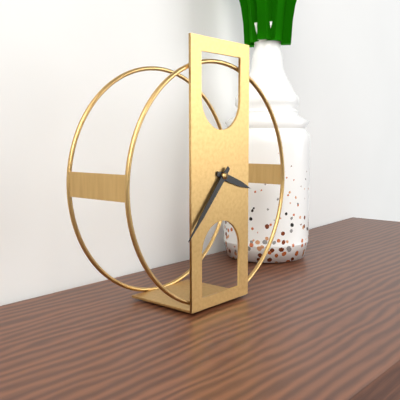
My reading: 3:37
